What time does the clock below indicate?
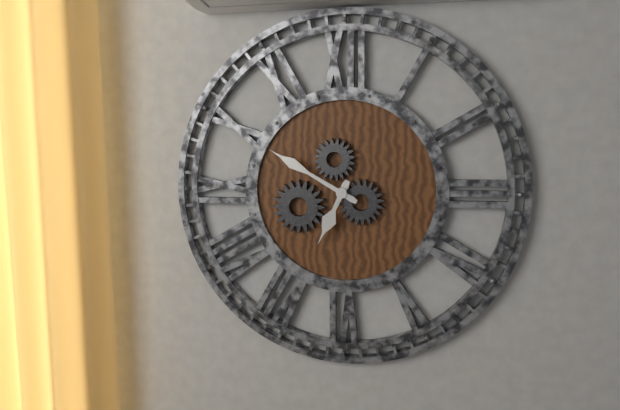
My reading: 6:50
